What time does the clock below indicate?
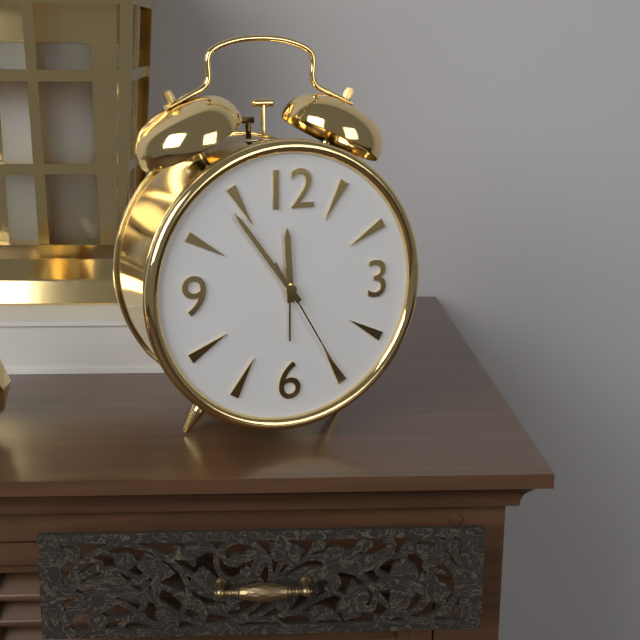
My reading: 11:54:25
